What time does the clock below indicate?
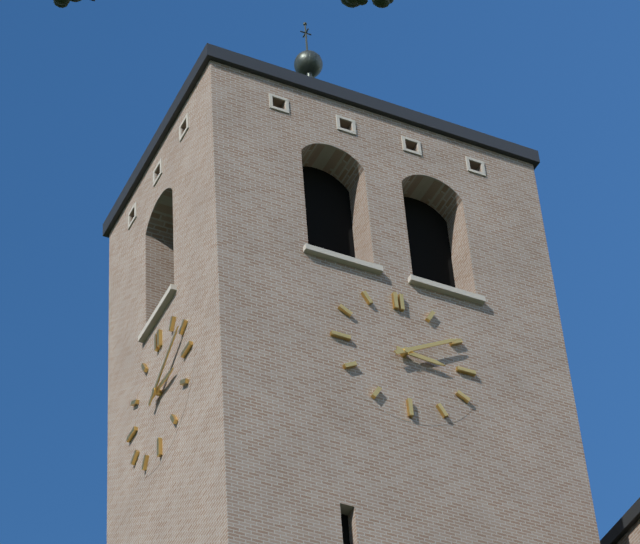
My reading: 3:10
